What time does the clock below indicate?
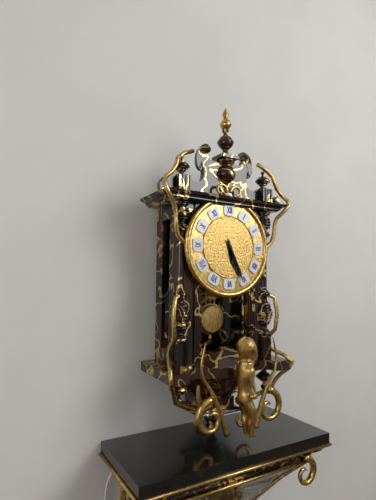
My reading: 5:26
